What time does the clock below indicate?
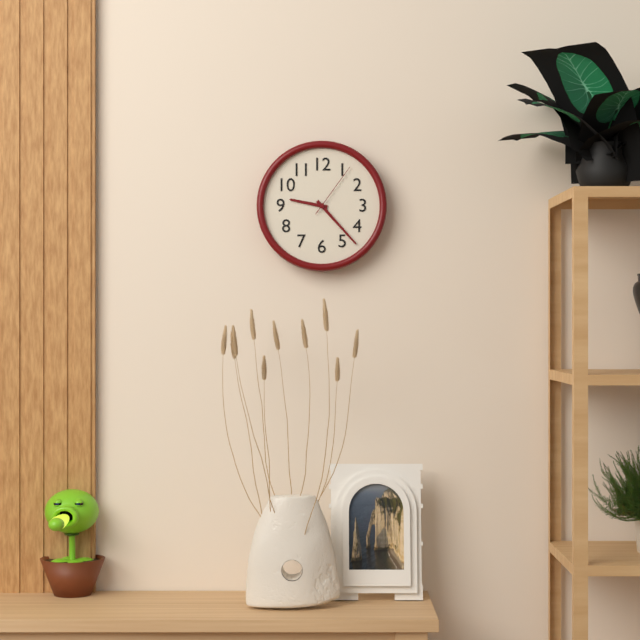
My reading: 9:23:06
